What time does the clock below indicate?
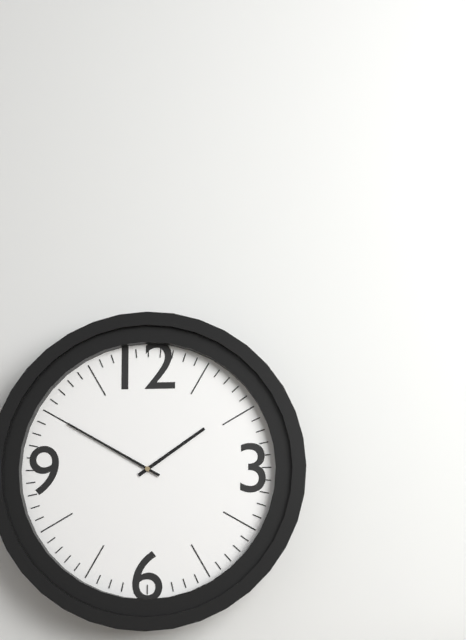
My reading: 1:50
